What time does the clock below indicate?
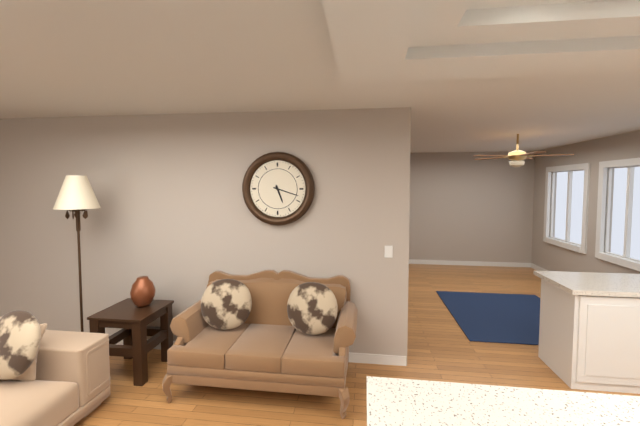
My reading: 5:18
